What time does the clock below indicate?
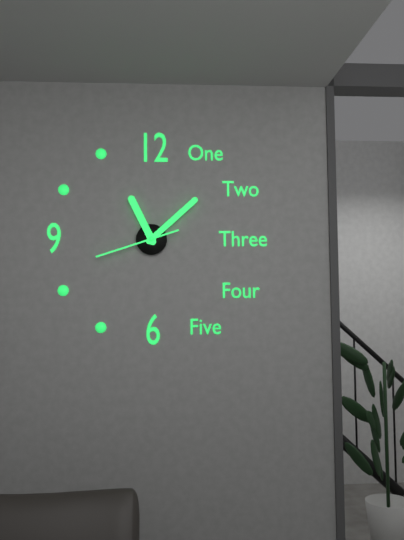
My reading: 11:08:42
